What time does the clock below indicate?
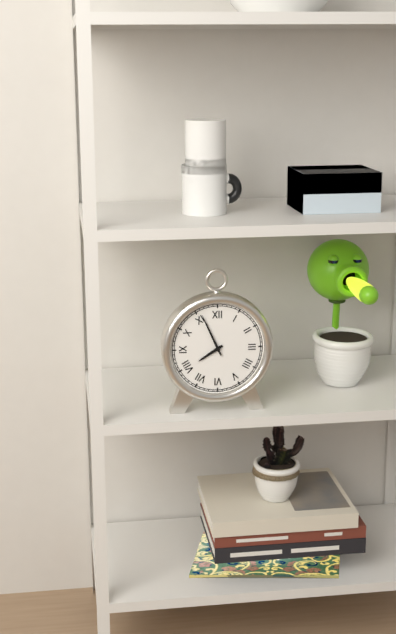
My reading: 7:56
